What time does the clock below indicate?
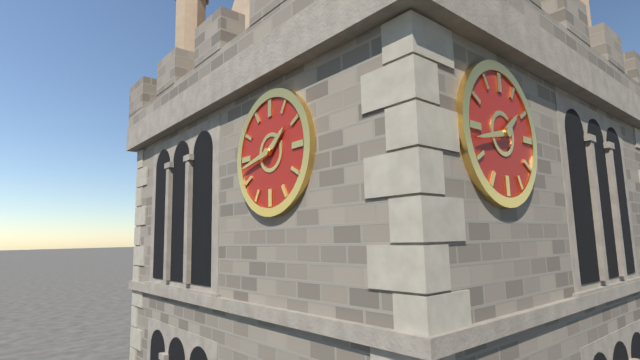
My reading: 1:43
